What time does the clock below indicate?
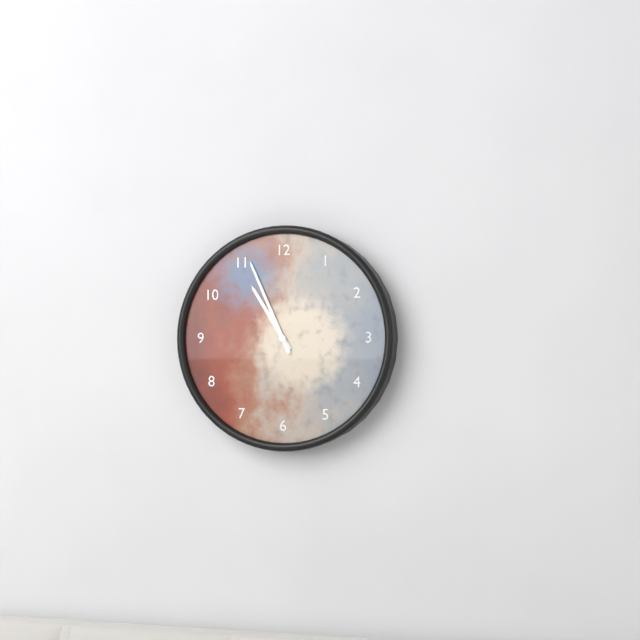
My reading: 10:56
